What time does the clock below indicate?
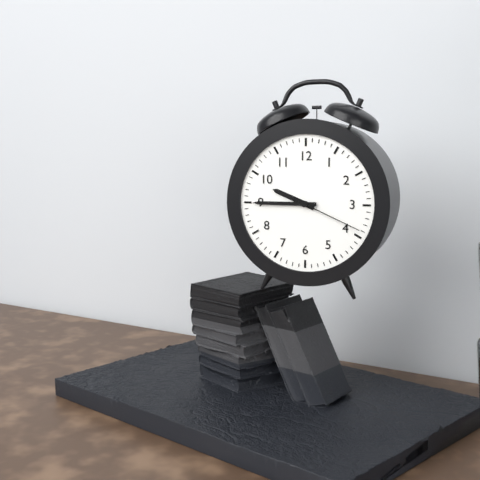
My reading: 9:45:19
